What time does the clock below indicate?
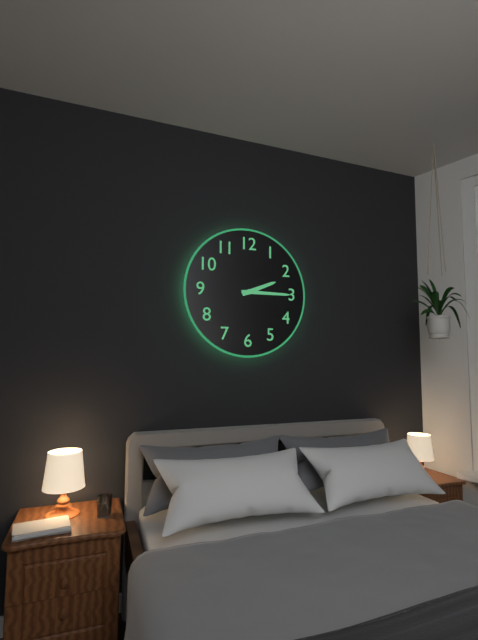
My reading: 2:15
